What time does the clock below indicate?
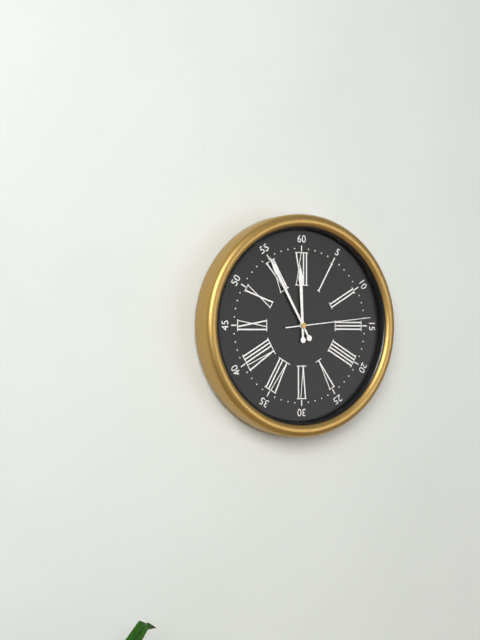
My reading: 11:55:14
